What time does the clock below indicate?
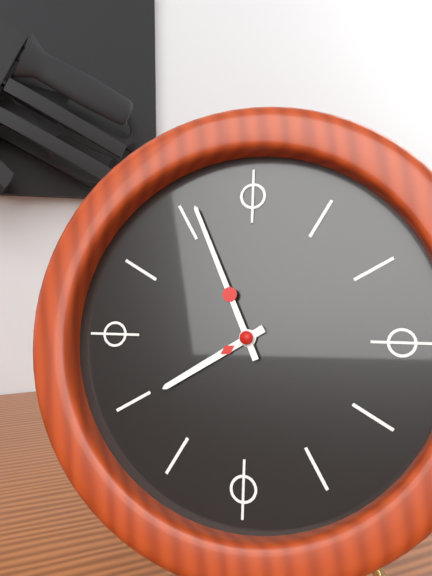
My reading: 7:56
